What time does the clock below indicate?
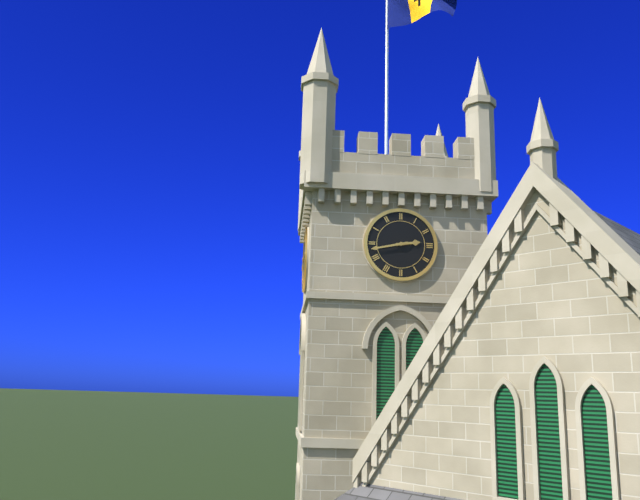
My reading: 2:43
